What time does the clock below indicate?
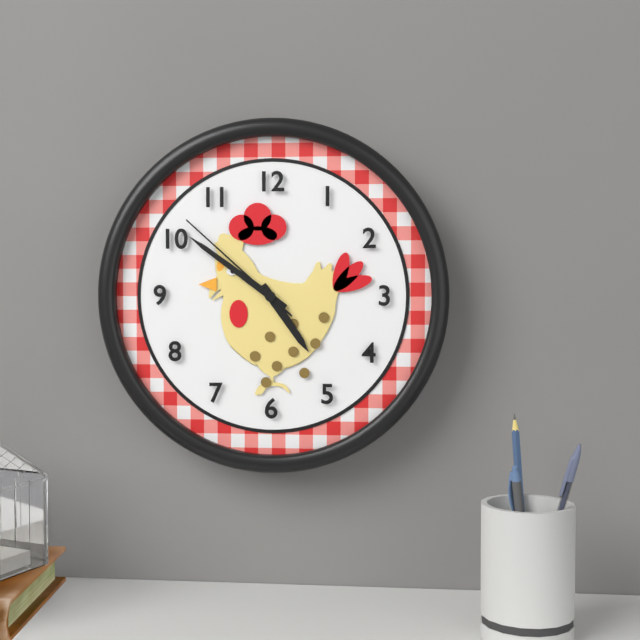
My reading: 4:51:52
